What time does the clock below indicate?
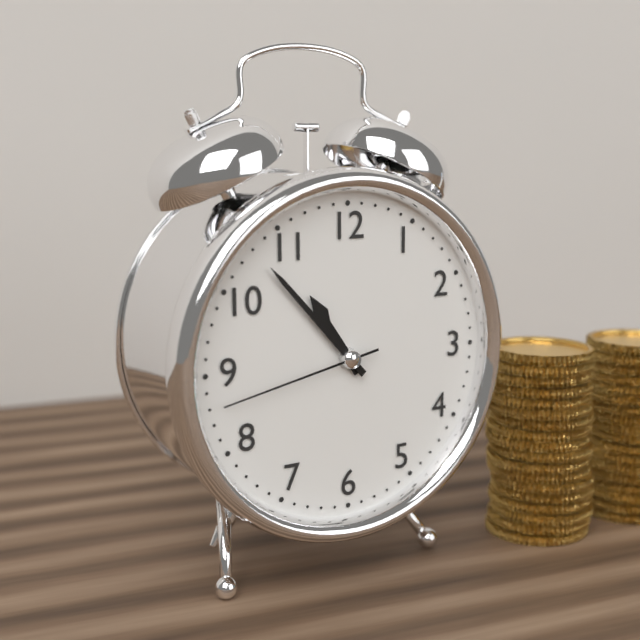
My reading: 10:53:43
